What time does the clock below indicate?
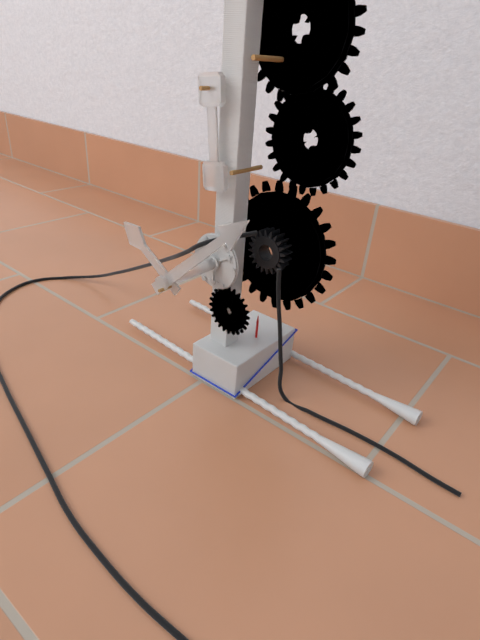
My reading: 10:08
